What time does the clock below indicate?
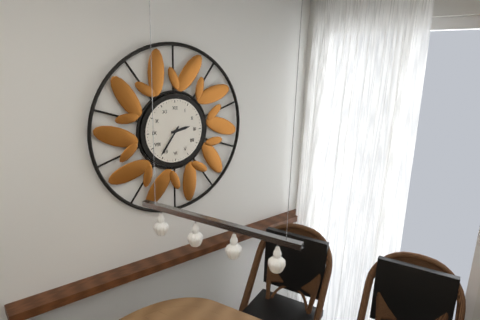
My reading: 2:36
